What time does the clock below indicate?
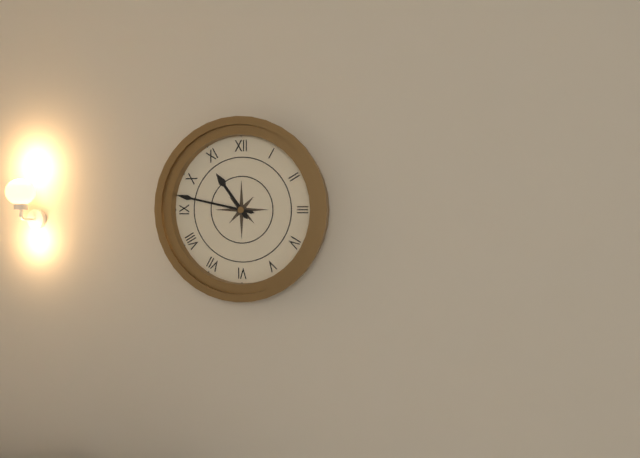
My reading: 10:47
